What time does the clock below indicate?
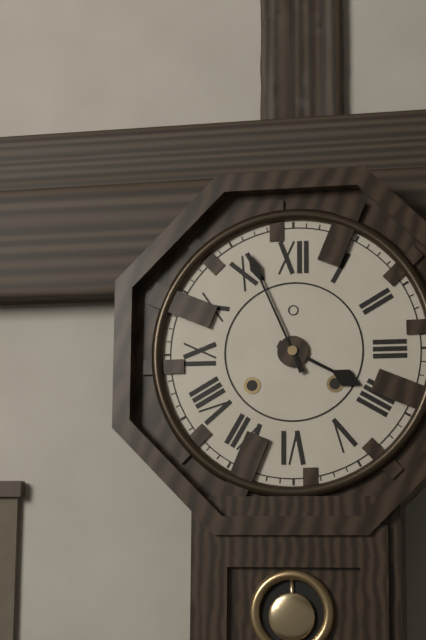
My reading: 3:56
